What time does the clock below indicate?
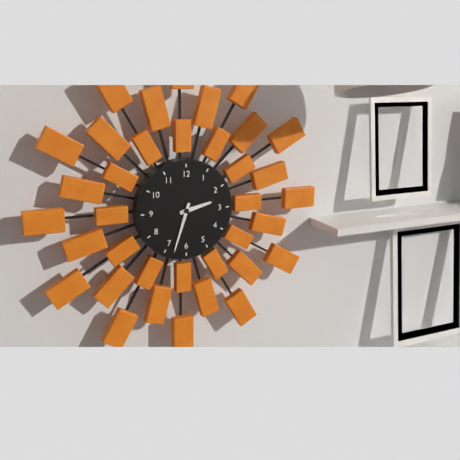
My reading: 2:33
